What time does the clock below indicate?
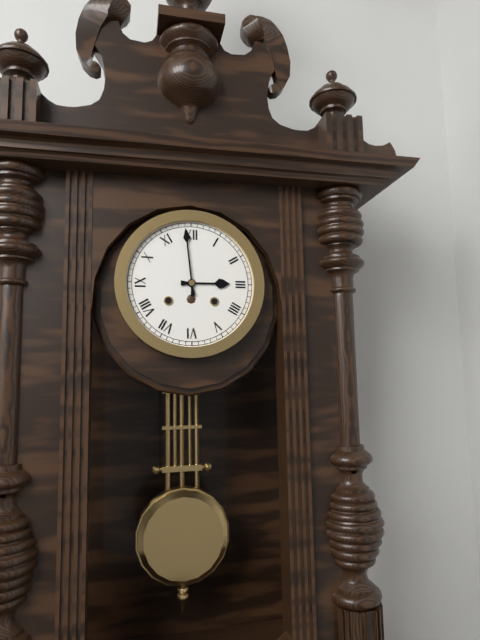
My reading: 2:59
